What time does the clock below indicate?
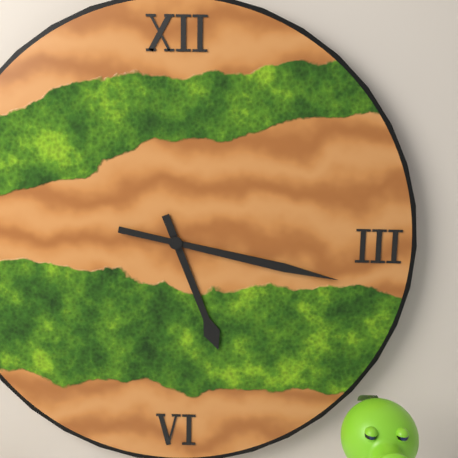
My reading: 5:17
